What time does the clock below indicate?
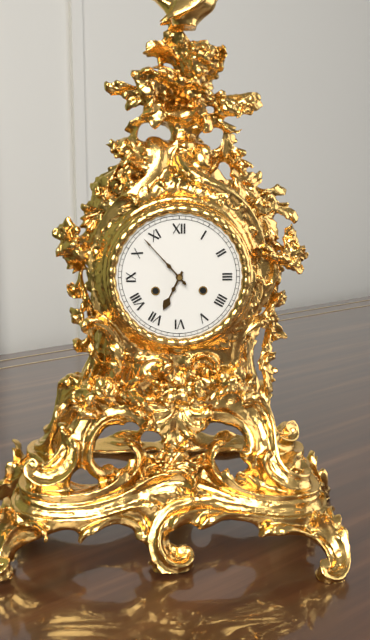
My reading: 6:53
